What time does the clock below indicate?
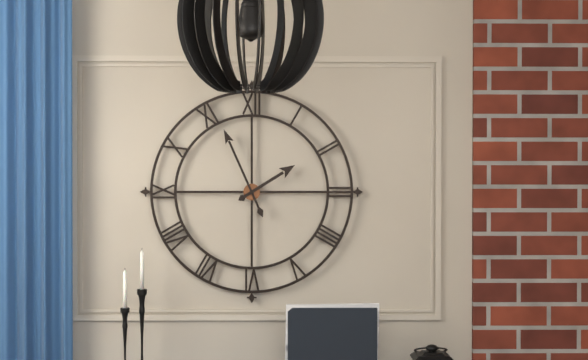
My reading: 1:56
